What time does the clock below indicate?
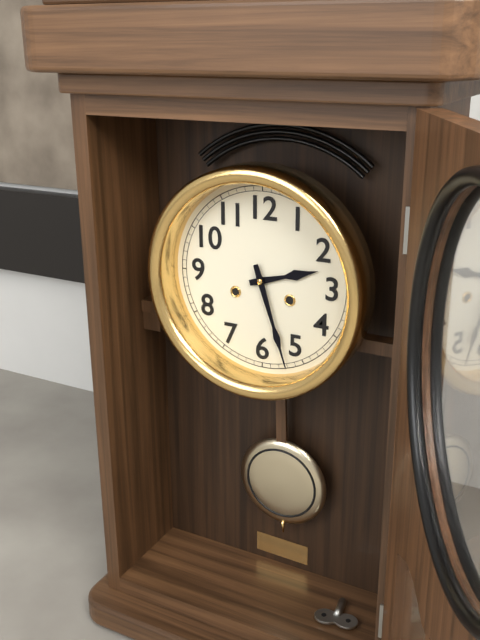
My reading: 2:27
